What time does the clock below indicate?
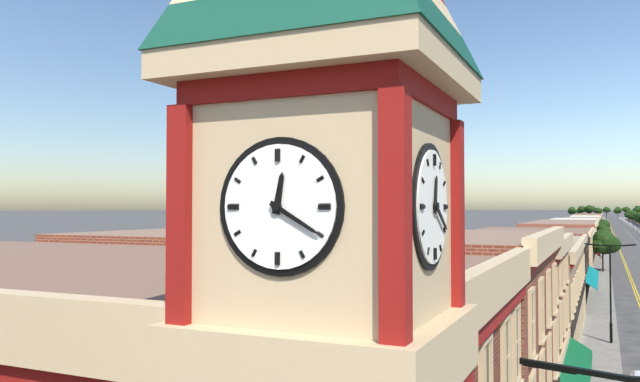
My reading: 12:20
